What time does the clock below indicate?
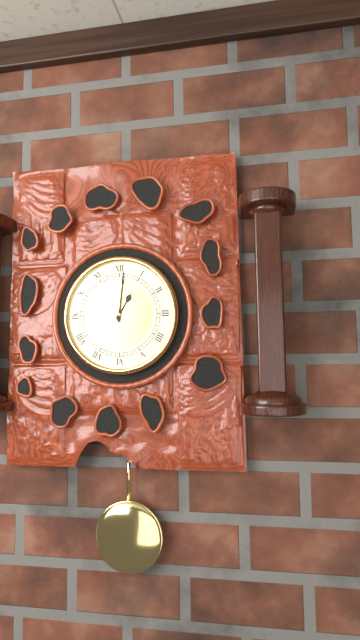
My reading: 1:01
